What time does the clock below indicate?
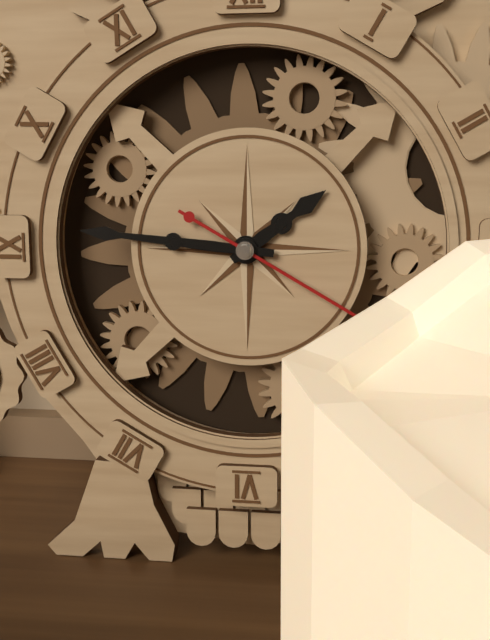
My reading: 1:46
